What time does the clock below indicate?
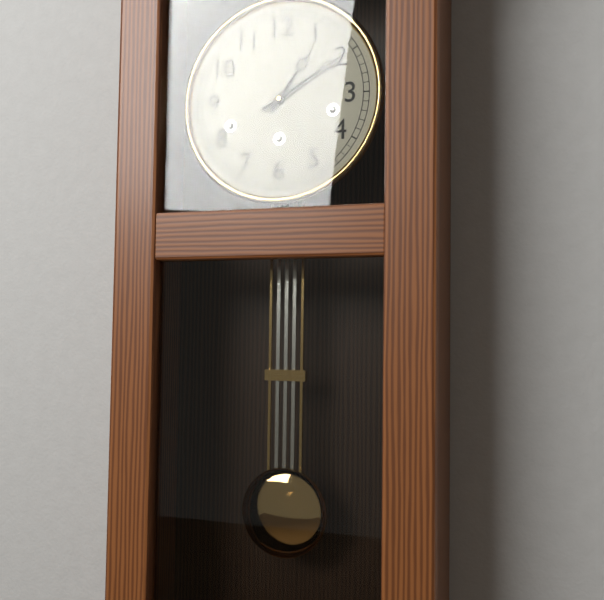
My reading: 1:10
